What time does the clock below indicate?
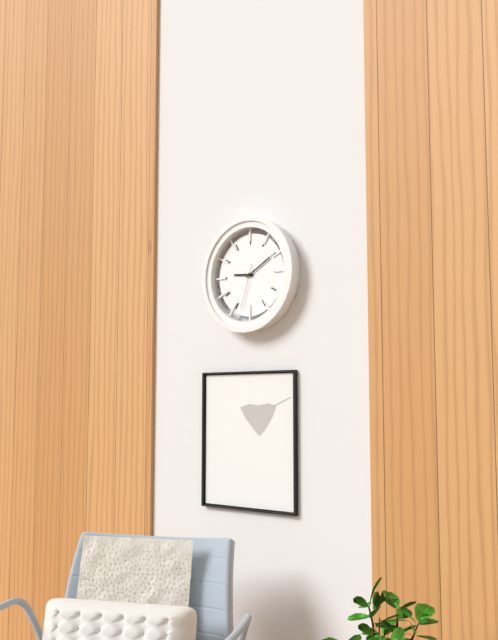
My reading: 9:10
